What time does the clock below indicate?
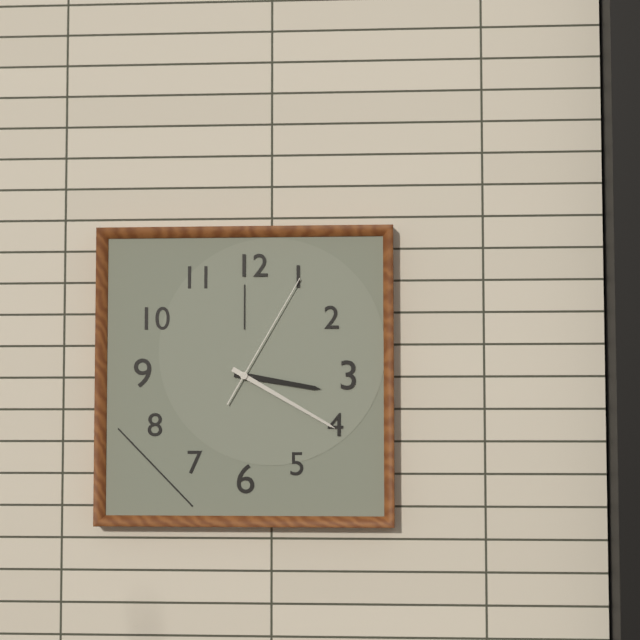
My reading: 3:20:05
